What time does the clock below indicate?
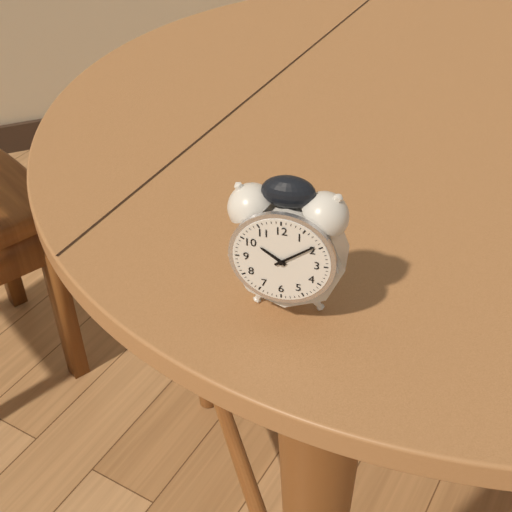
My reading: 10:09
